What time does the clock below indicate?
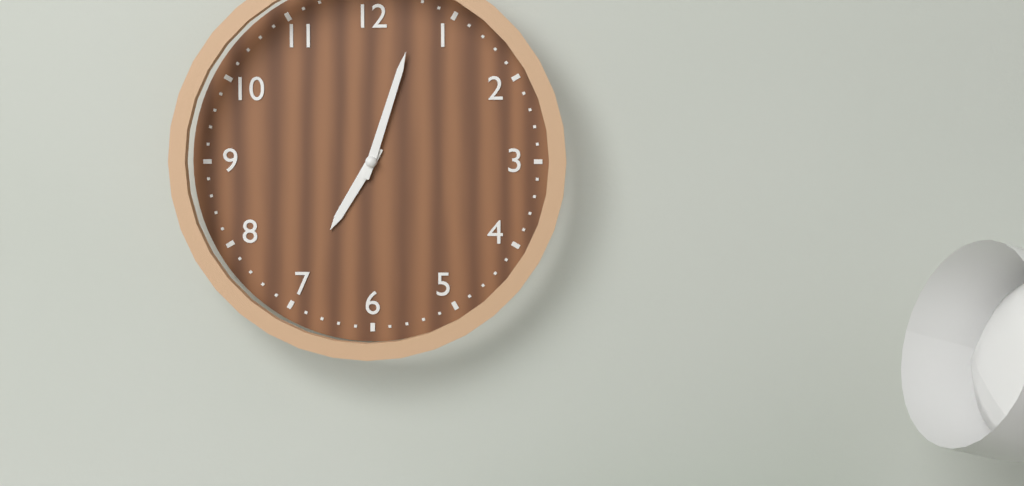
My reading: 7:03
